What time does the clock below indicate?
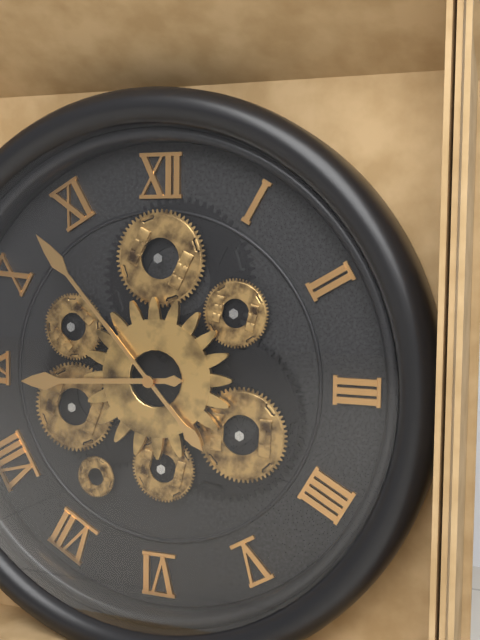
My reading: 8:53
